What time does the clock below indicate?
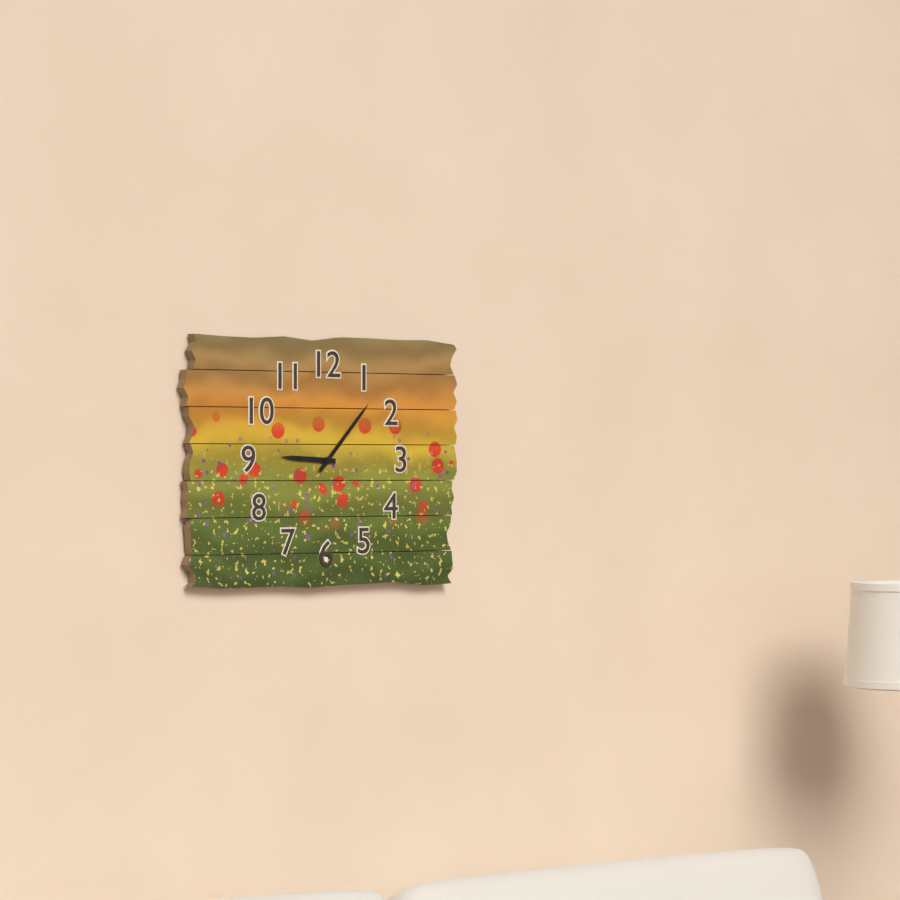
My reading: 9:07
